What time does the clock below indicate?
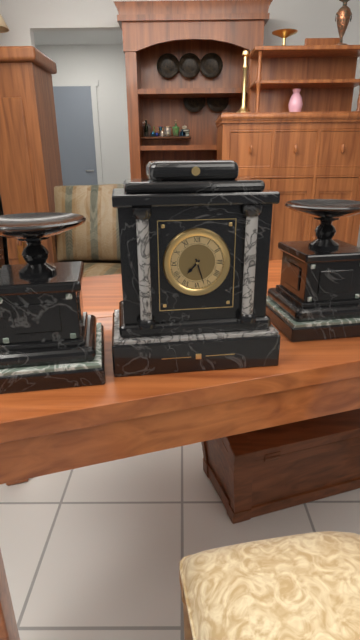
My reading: 7:27
